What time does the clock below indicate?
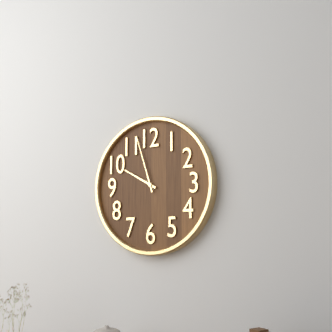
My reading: 9:57
